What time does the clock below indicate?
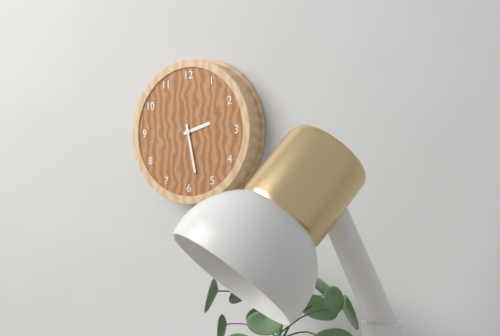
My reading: 2:28
